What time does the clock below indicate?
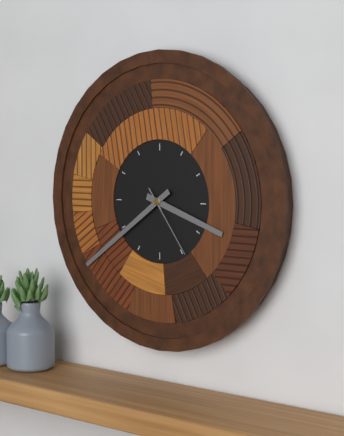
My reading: 3:39:24
